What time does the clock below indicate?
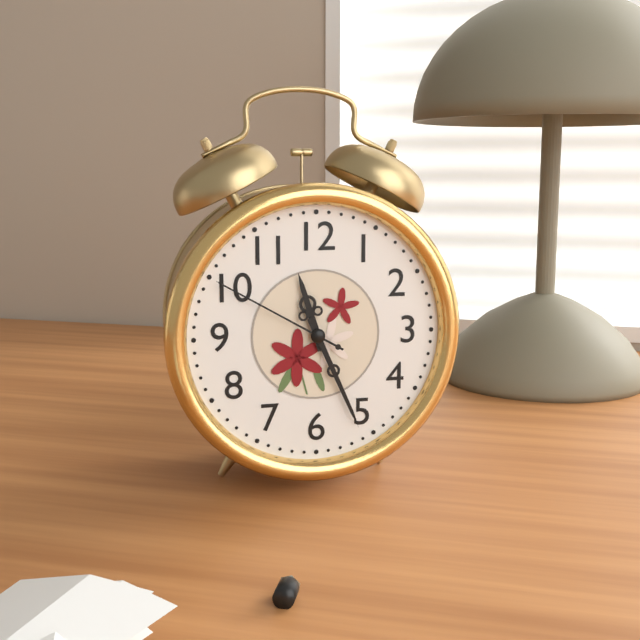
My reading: 11:26:50
